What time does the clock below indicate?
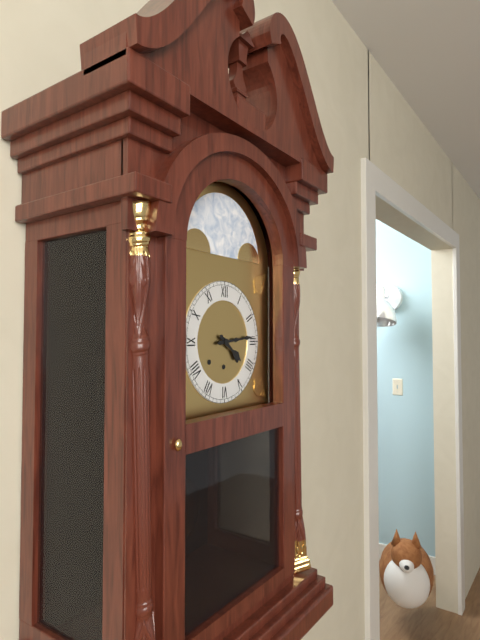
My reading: 4:14
